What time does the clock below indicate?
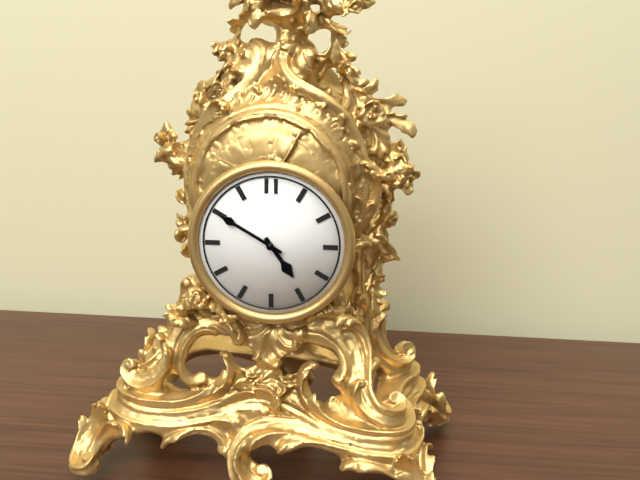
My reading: 4:50
